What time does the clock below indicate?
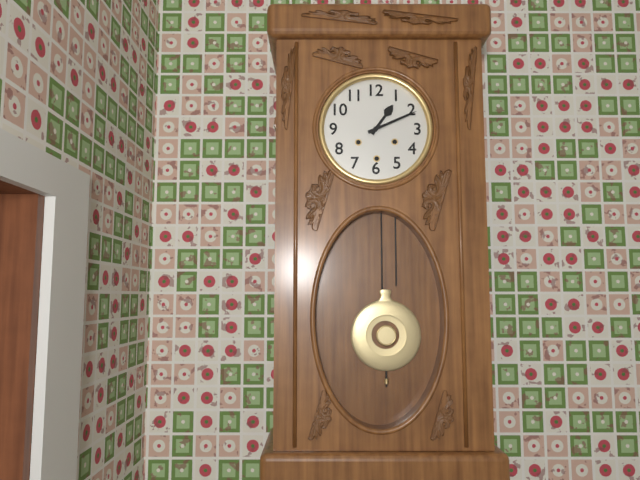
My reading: 1:11
